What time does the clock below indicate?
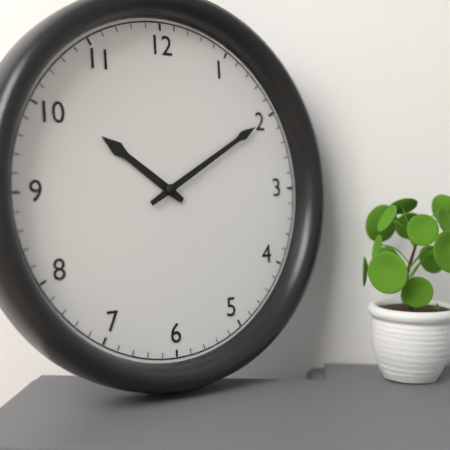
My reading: 10:10
